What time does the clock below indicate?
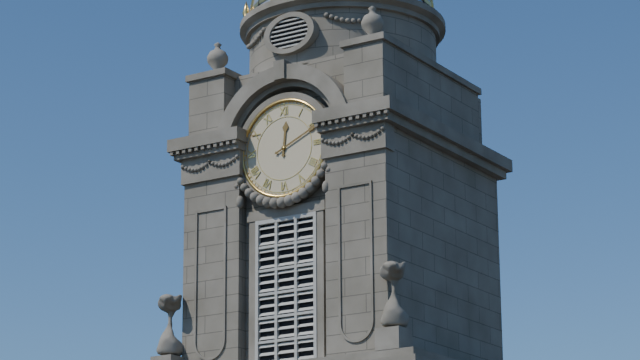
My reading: 12:11
